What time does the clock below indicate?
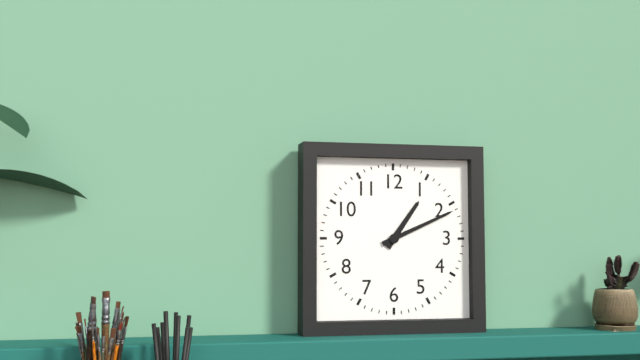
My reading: 1:11
